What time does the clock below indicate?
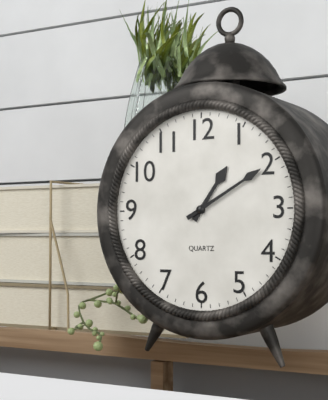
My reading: 1:10
